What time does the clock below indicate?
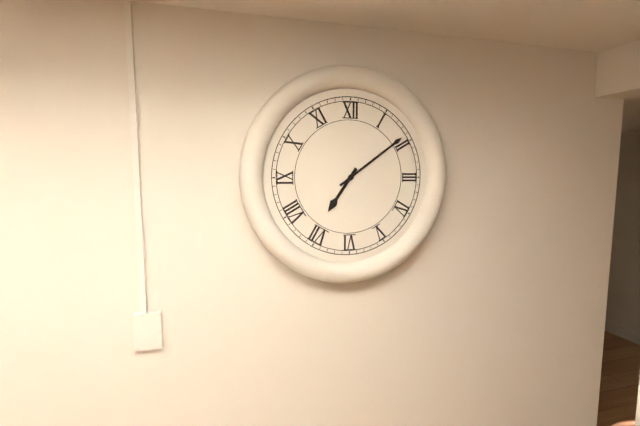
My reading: 7:09
